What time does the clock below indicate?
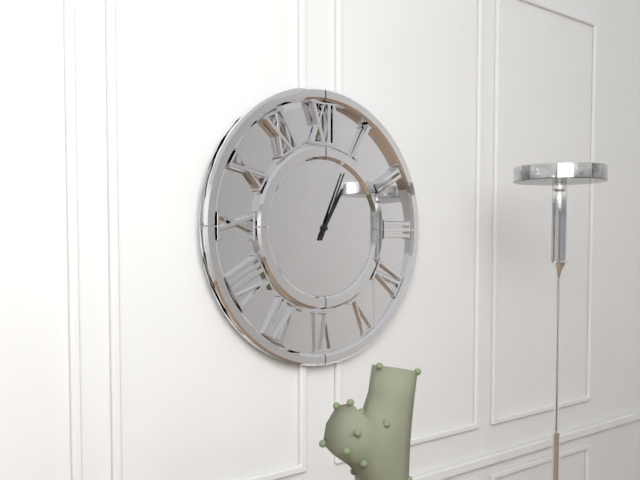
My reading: 1:04
